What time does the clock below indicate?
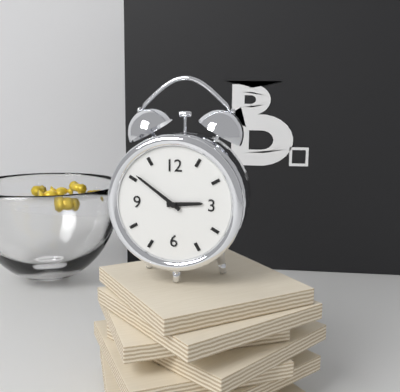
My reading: 2:51
